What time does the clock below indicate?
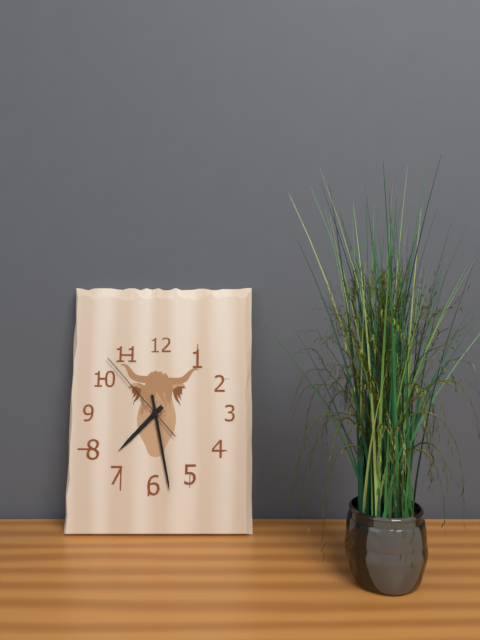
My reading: 7:28:53
